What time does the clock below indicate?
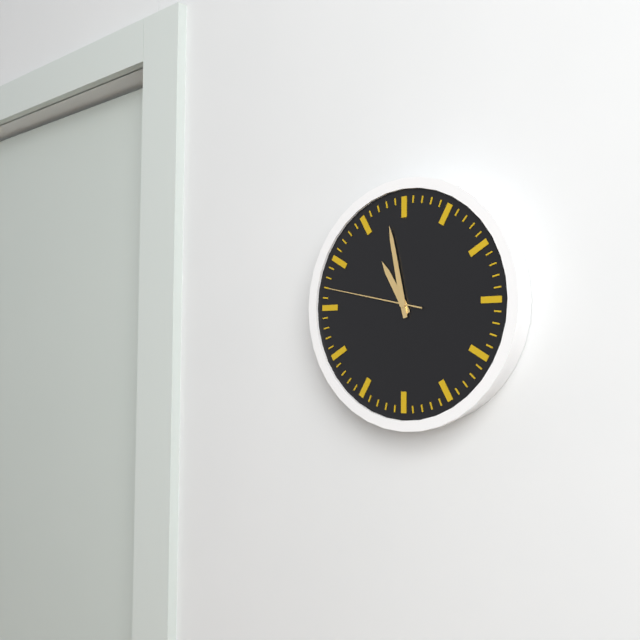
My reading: 10:58:47
